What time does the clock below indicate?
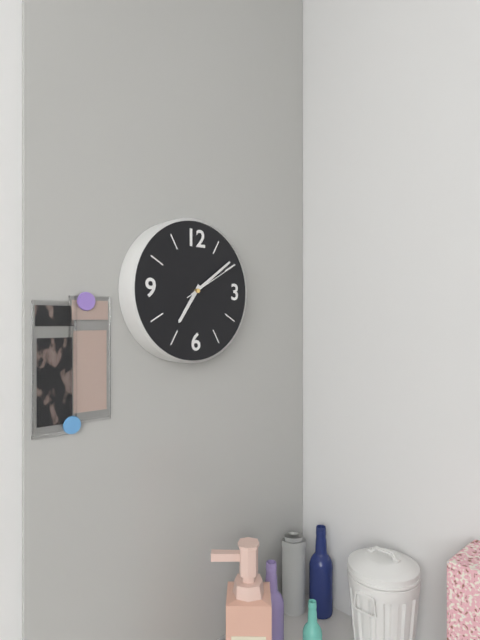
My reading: 7:09:10
